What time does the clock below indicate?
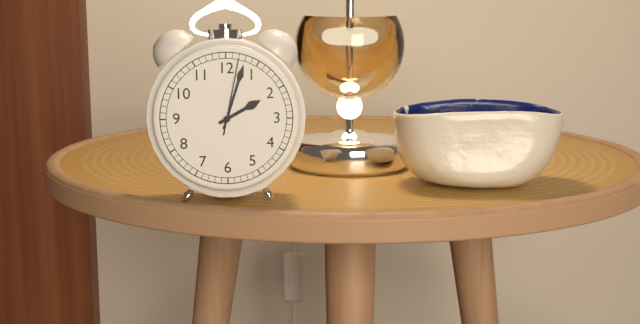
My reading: 2:03:02
